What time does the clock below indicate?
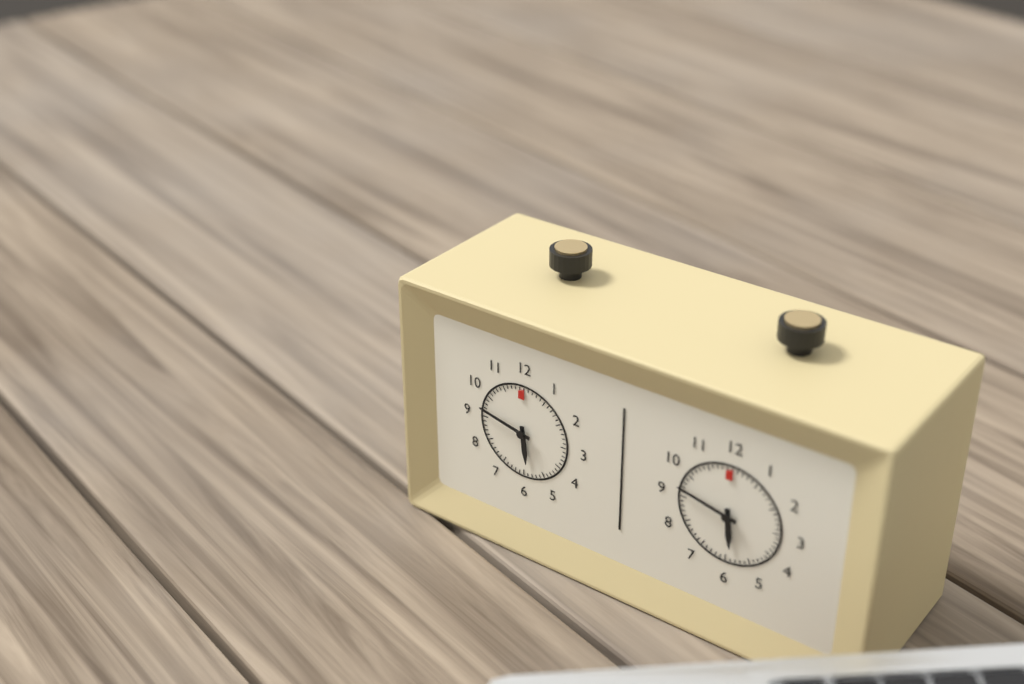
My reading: 5:47
